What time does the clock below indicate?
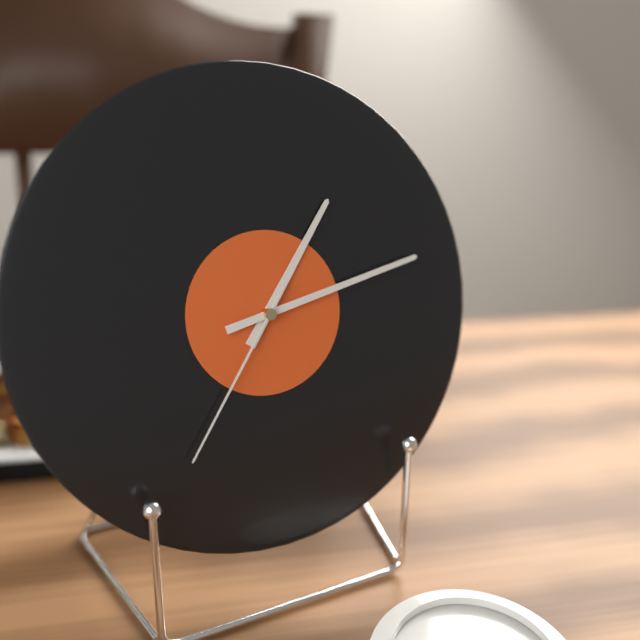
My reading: 1:13:36
